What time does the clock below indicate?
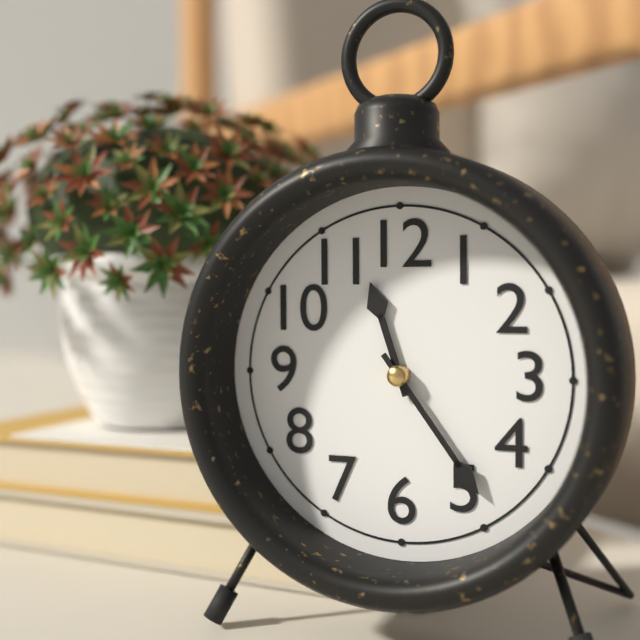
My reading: 11:24
